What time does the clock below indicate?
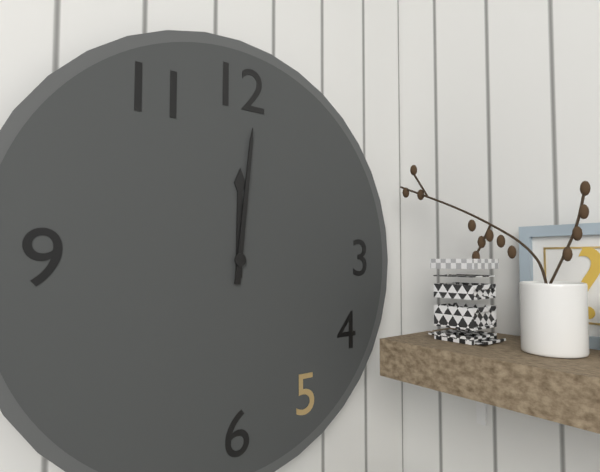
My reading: 12:01
